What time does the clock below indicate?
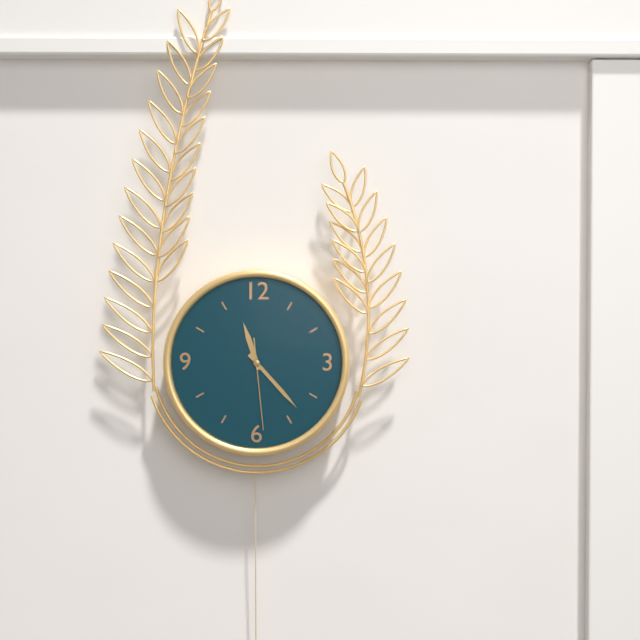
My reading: 11:23:29
